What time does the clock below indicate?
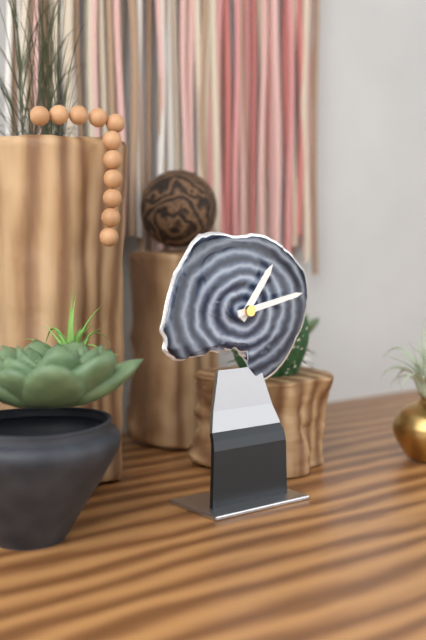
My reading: 1:13
